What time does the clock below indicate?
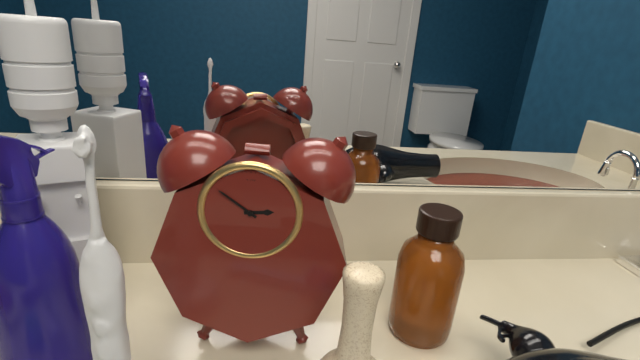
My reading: 2:51
